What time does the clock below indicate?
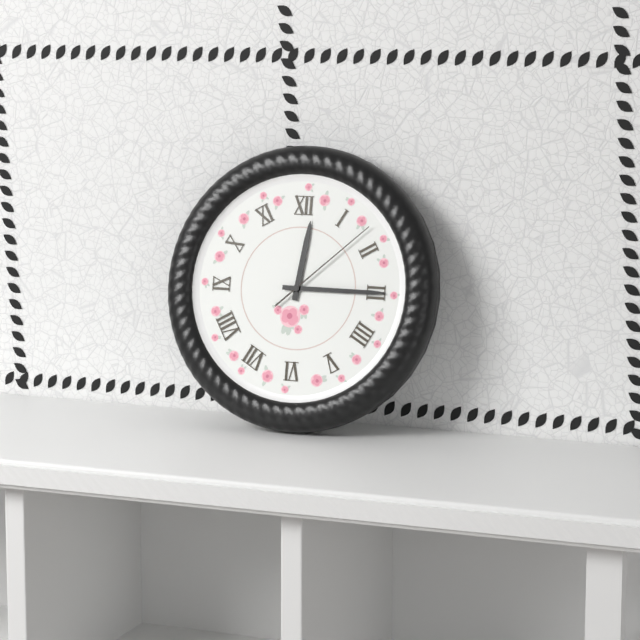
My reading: 12:15:08
